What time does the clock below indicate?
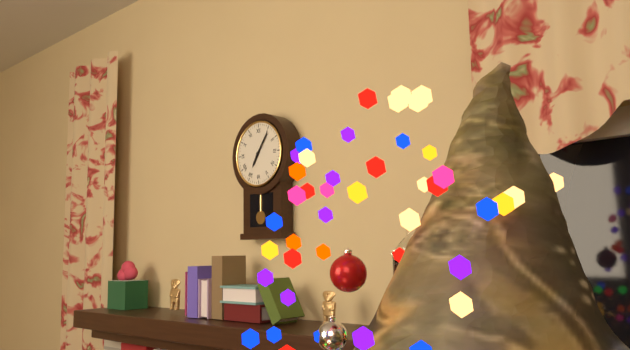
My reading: 7:06
